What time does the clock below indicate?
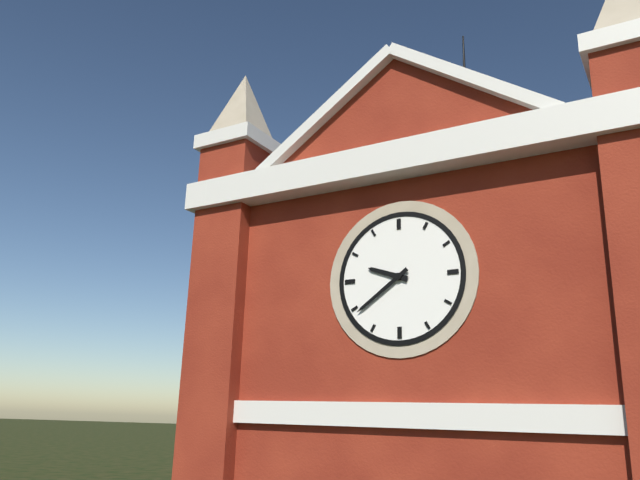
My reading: 9:39
